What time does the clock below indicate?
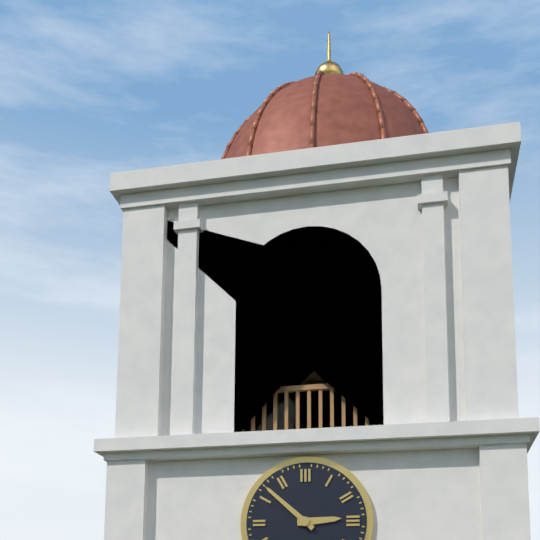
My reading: 2:52
